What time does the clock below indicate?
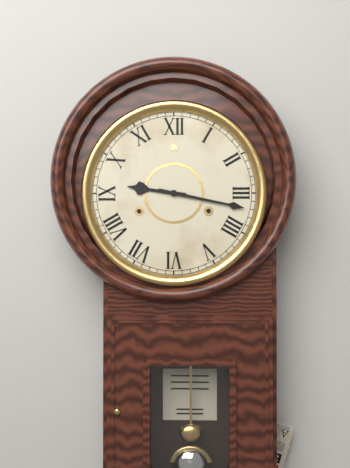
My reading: 9:17
